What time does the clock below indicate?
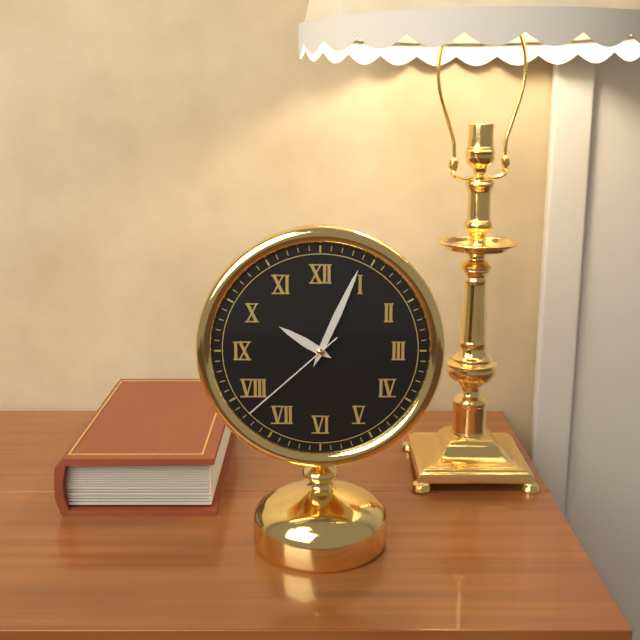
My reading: 10:04:38
